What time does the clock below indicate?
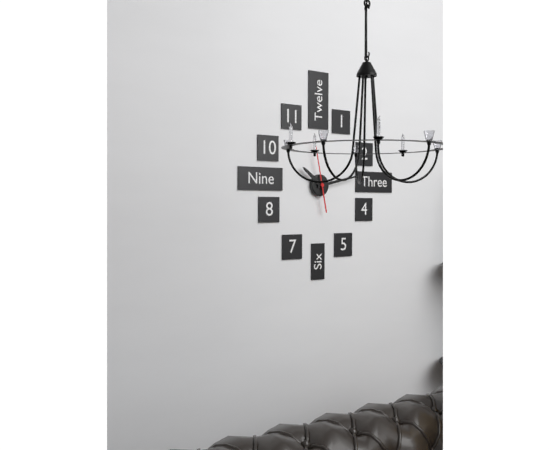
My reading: 10:13:58
